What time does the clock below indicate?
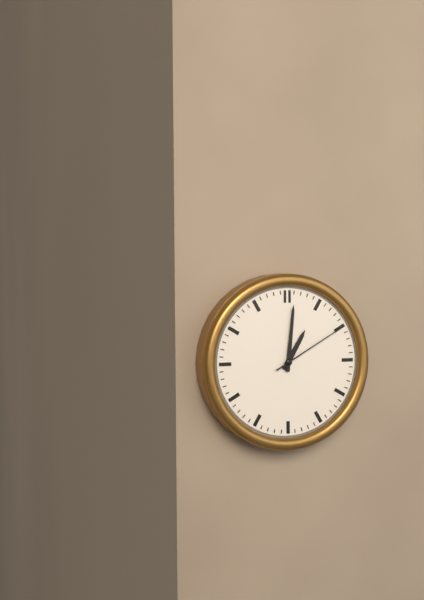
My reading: 1:01:10
